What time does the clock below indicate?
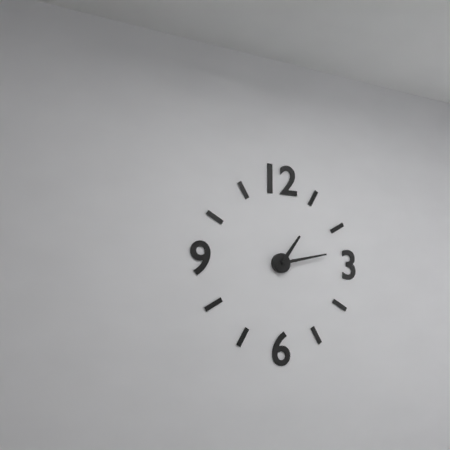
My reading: 1:13
